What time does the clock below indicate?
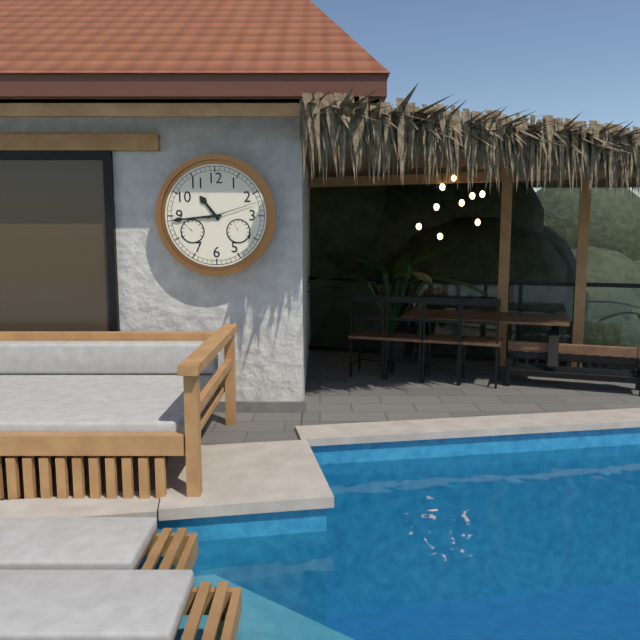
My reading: 10:44:12
